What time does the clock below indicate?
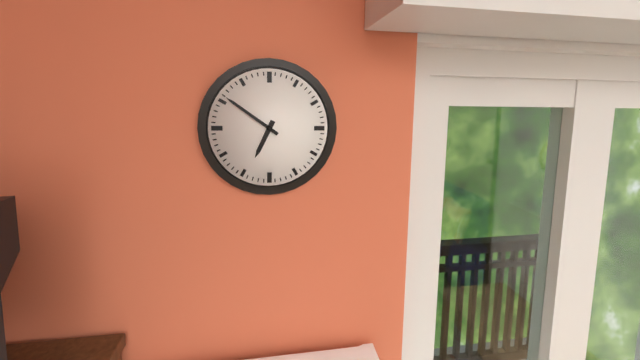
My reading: 6:51
